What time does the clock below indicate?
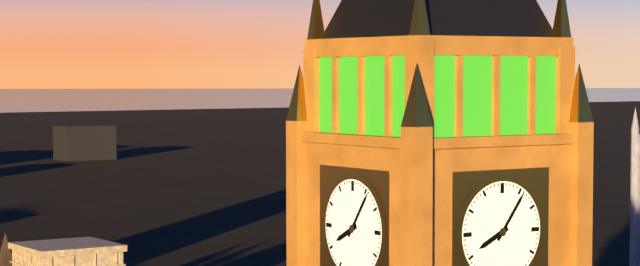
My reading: 8:06
